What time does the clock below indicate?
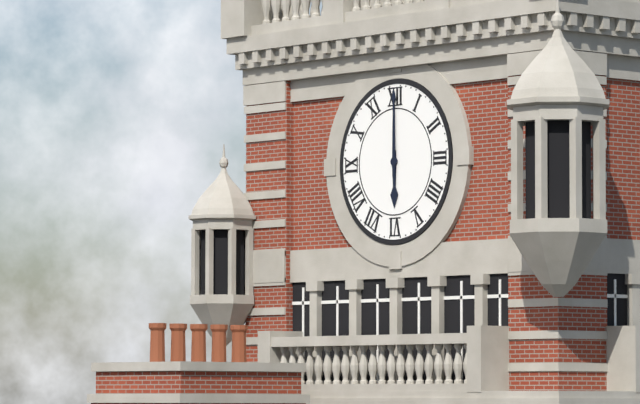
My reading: 6:00
